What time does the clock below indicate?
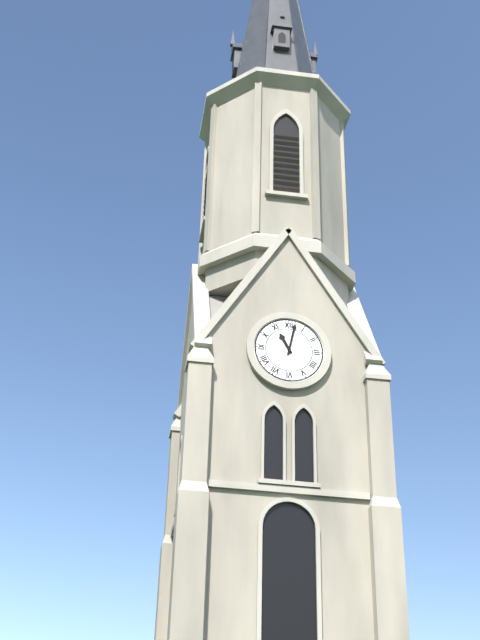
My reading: 11:02
